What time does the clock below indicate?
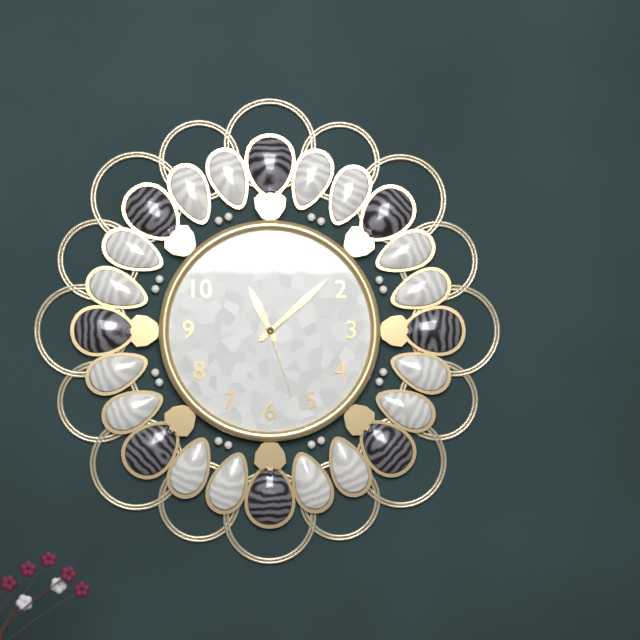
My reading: 11:08:27
